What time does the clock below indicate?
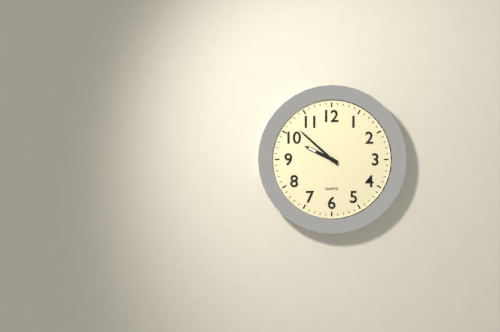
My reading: 9:52
